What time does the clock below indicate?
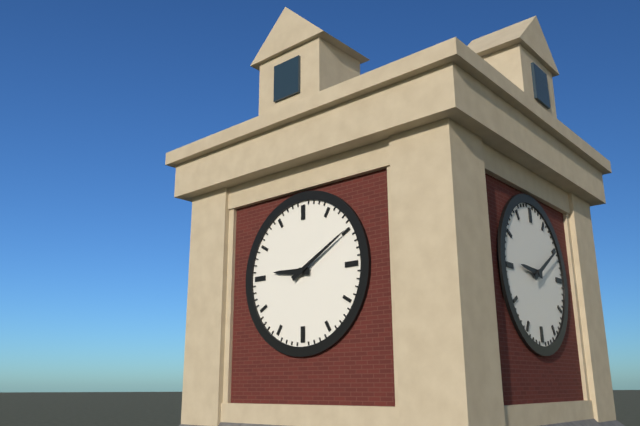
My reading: 9:10
